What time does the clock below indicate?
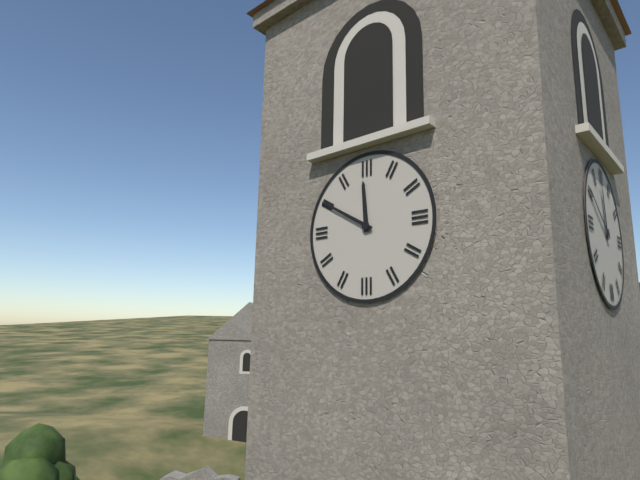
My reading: 11:50
